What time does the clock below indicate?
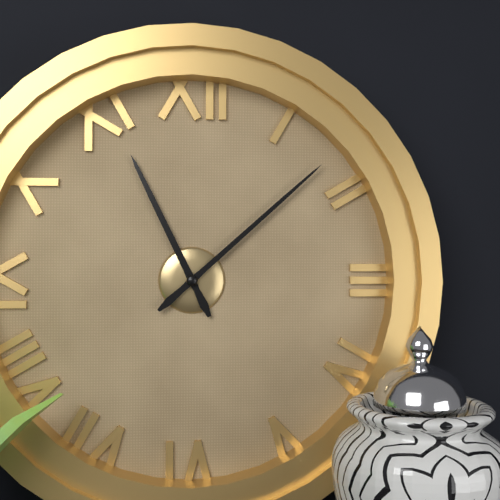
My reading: 11:08
